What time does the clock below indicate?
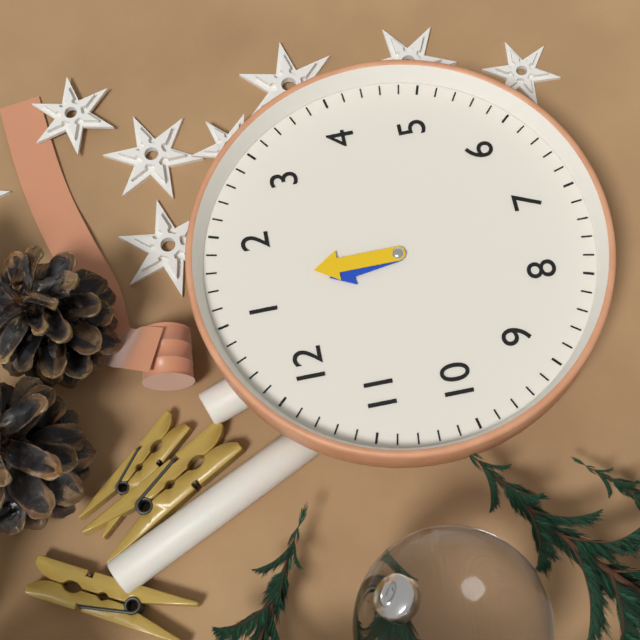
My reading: 1:07
